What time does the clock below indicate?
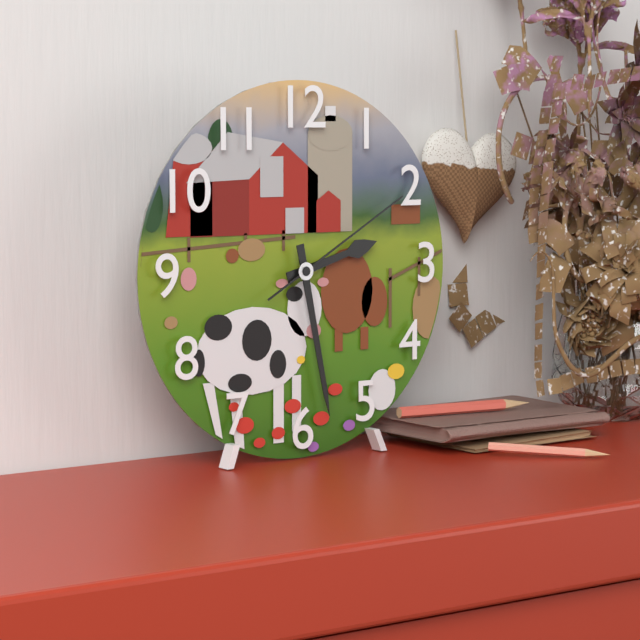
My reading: 2:28:10
